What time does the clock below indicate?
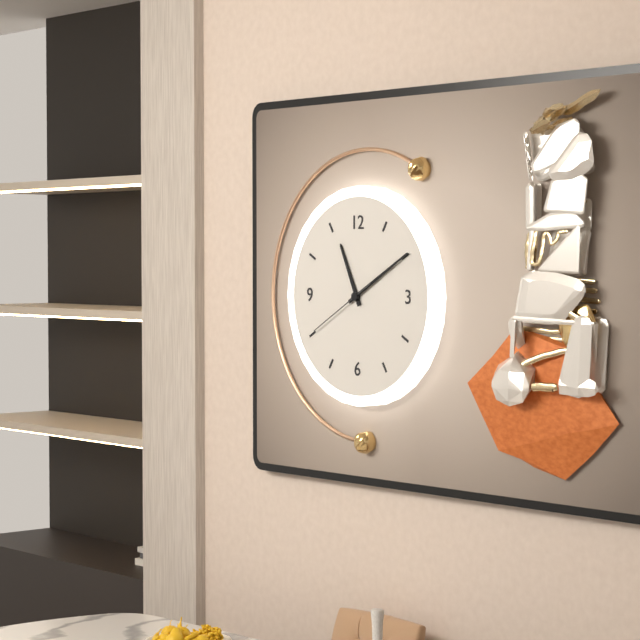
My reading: 11:10:40
